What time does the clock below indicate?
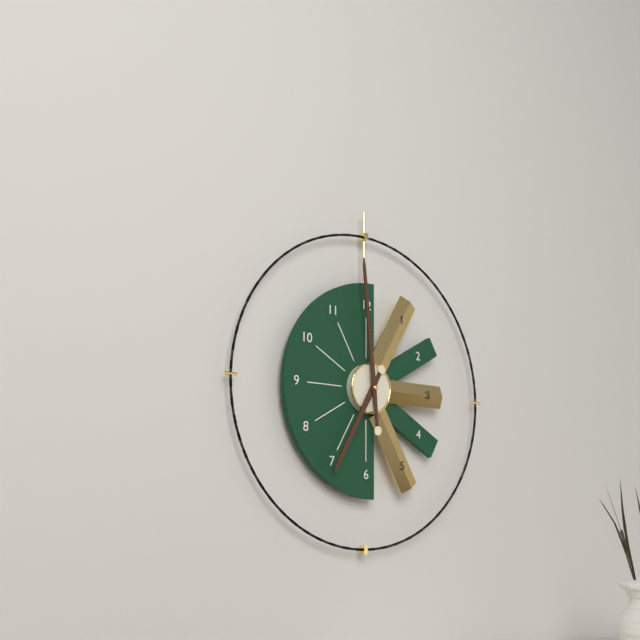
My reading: 6:59
